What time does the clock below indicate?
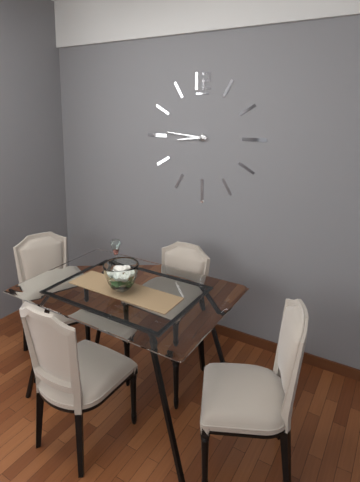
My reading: 8:46
